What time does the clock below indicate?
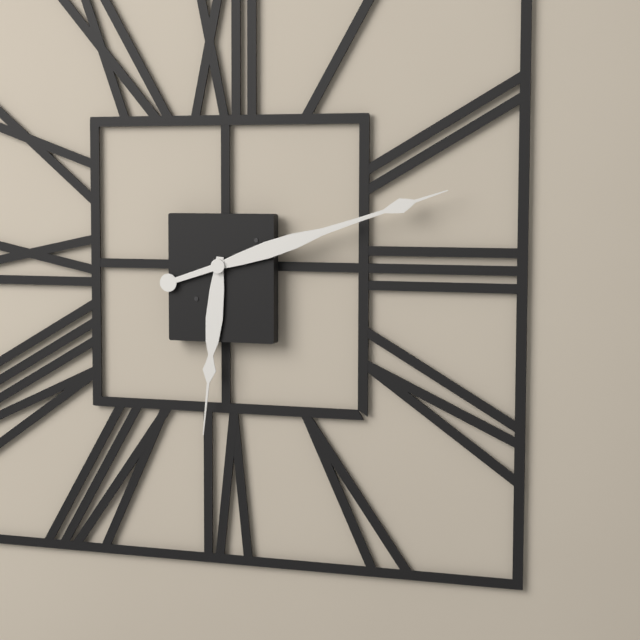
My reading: 6:12
